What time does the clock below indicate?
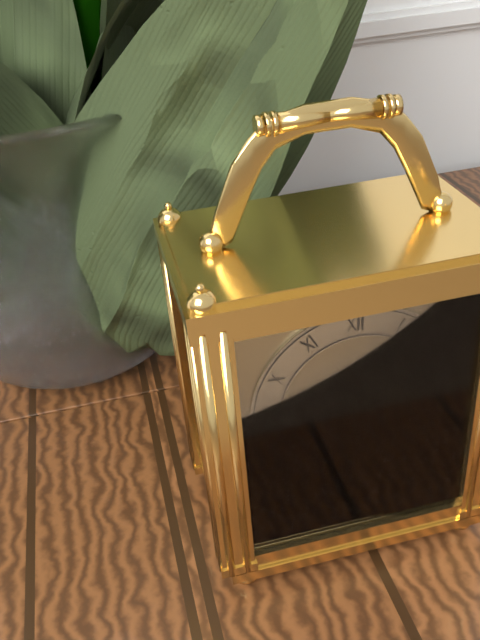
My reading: 1:23
